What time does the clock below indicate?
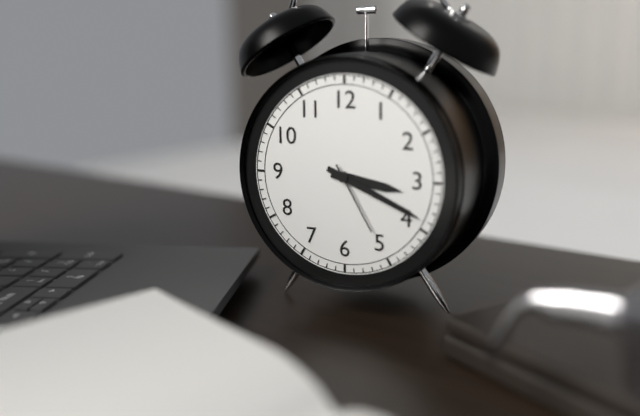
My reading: 3:19:25
